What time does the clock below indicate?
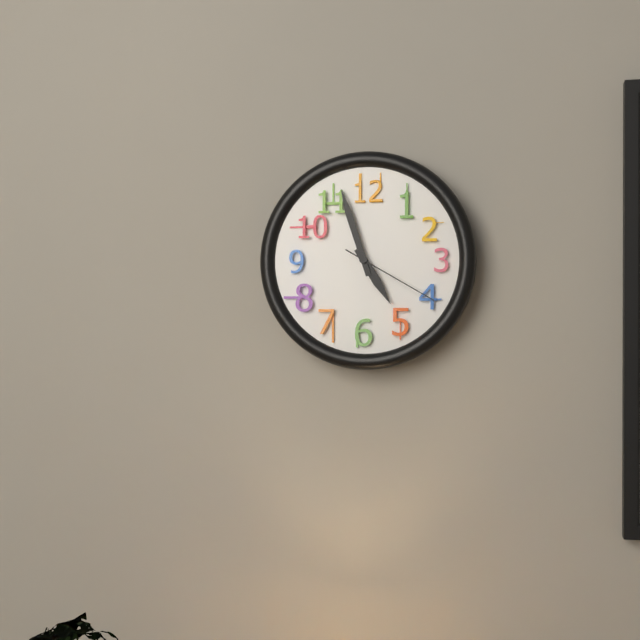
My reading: 4:57:20
